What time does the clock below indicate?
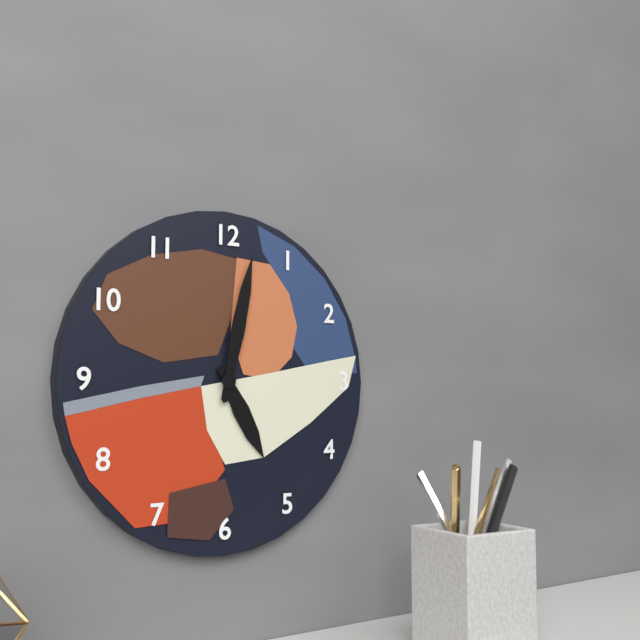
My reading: 5:02
